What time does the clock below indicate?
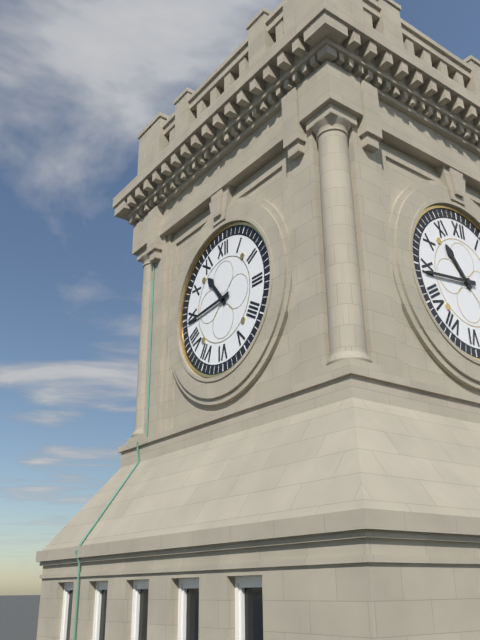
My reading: 10:44
